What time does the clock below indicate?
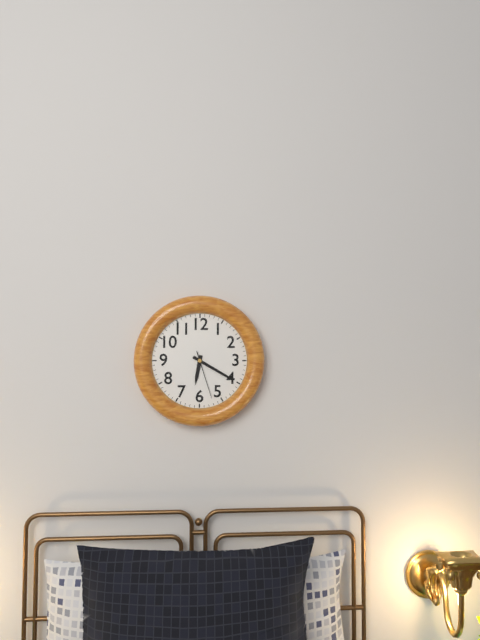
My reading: 6:20
